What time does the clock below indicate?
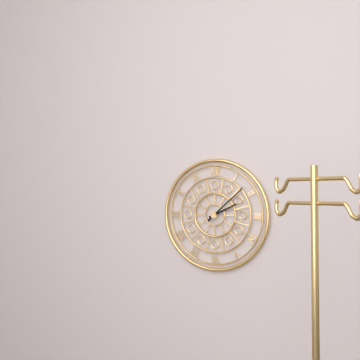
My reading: 2:08
